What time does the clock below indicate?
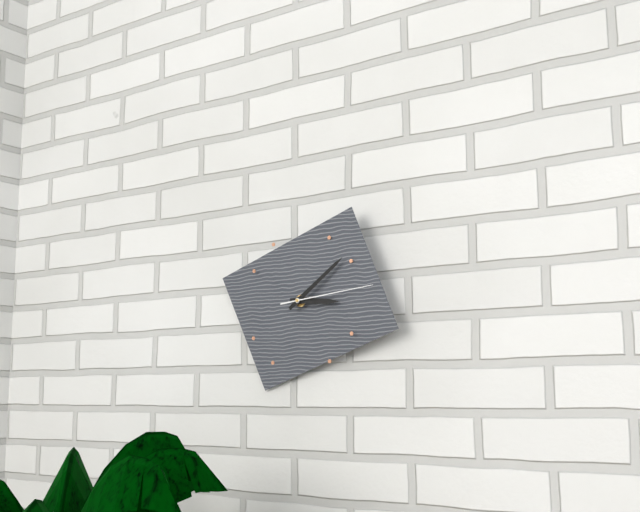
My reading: 3:09:14
